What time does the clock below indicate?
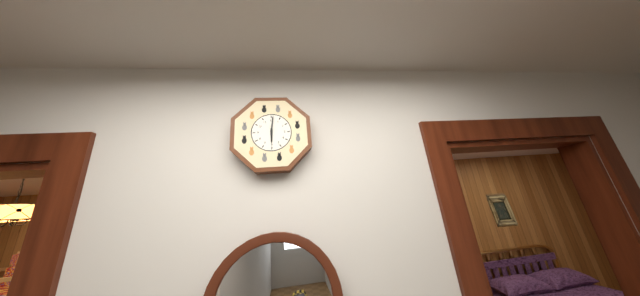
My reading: 6:01
